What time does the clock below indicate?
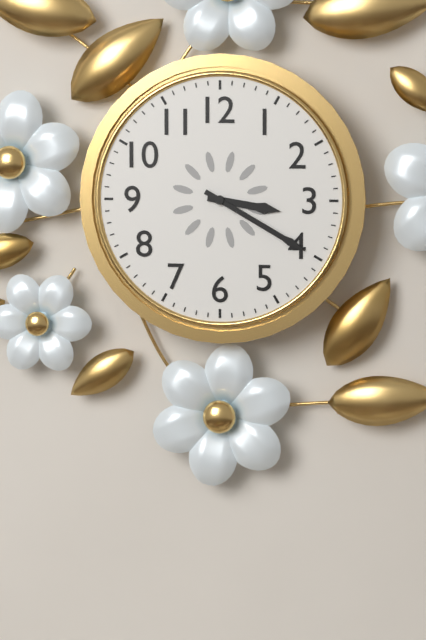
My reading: 3:20
